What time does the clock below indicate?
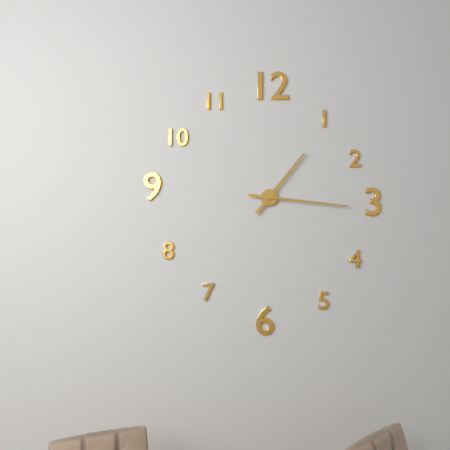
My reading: 1:16
